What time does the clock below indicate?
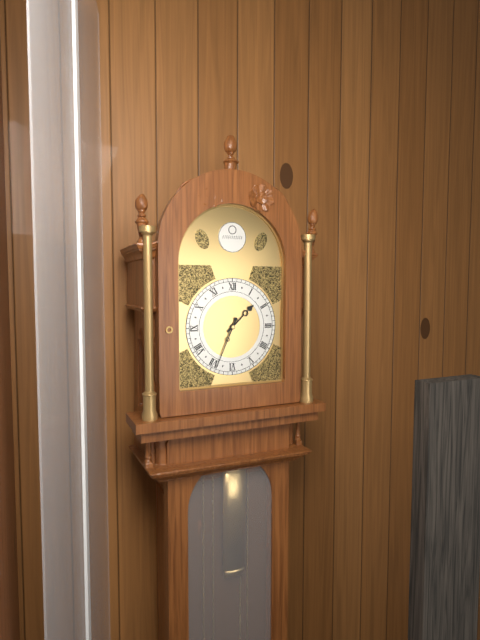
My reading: 1:34
